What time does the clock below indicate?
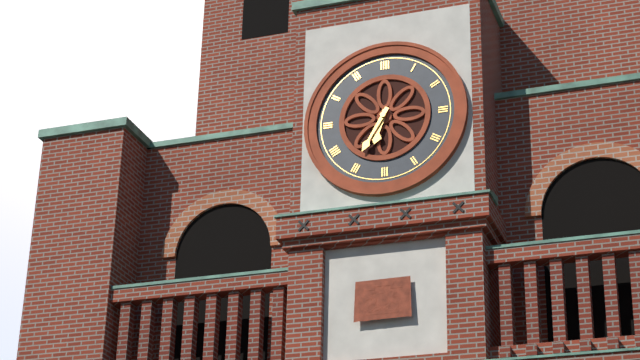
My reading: 6:35
